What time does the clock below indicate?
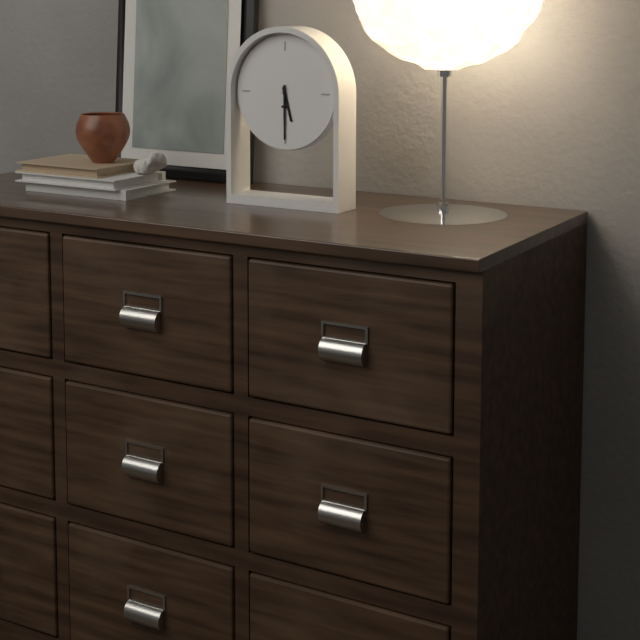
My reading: 5:30
